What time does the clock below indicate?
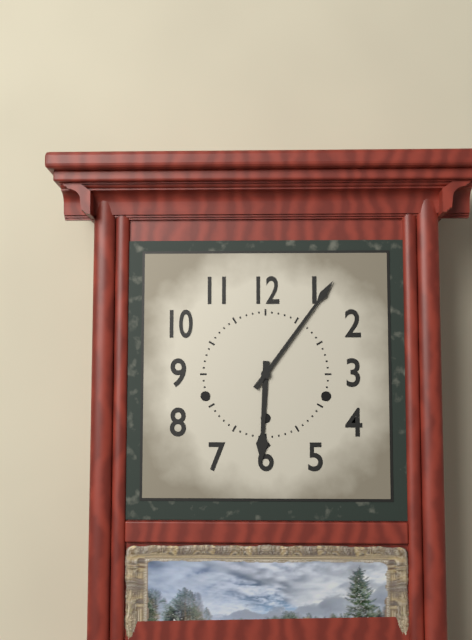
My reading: 6:06
